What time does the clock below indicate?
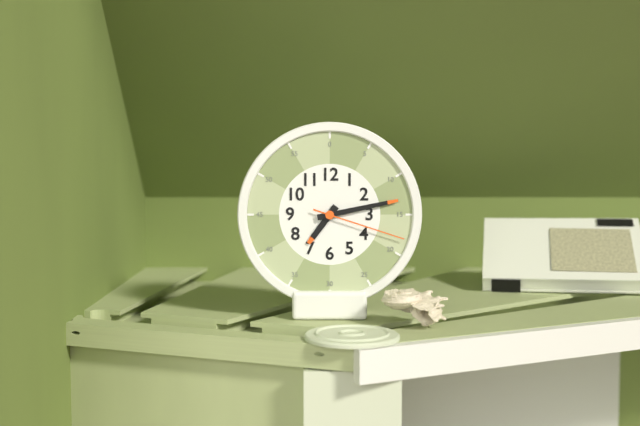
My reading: 7:13:18
